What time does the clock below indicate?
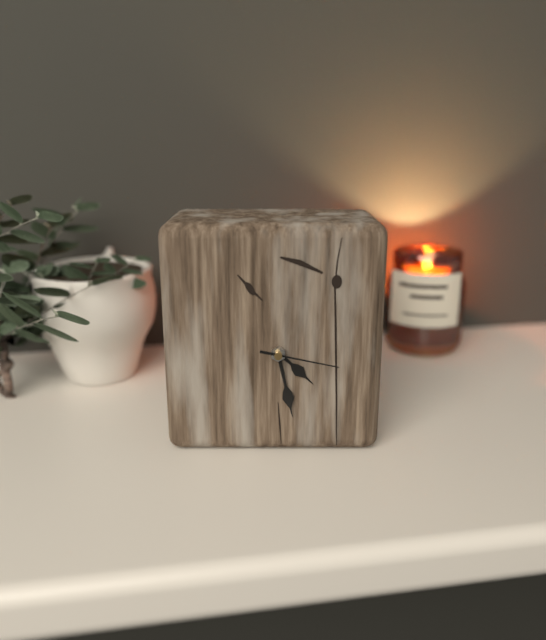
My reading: 4:28:17
